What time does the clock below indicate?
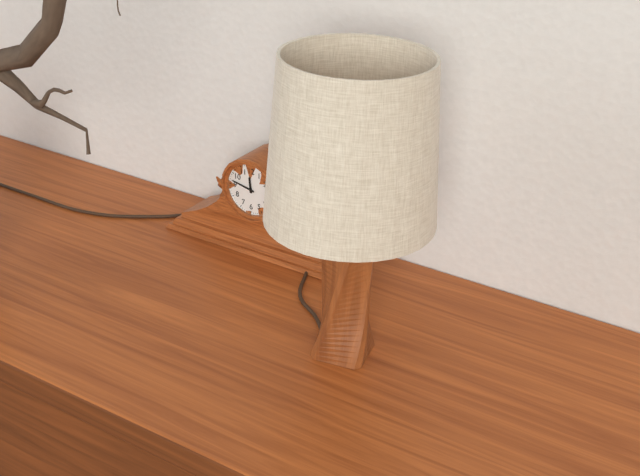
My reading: 11:47
